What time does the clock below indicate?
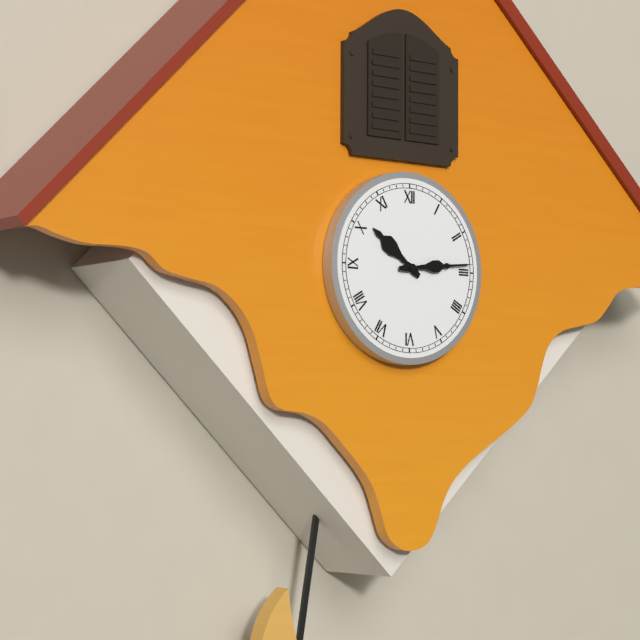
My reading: 10:14
